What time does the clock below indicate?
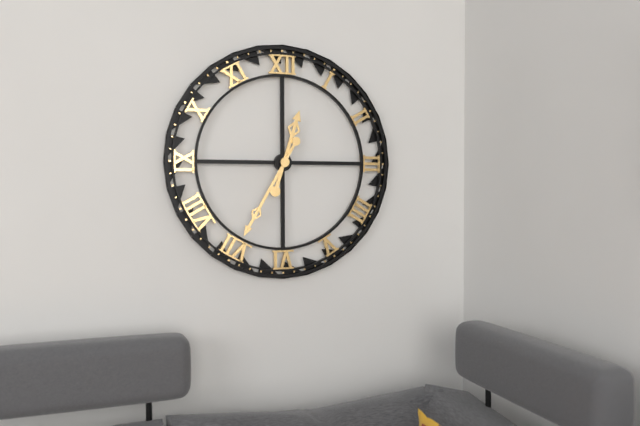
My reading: 12:35
